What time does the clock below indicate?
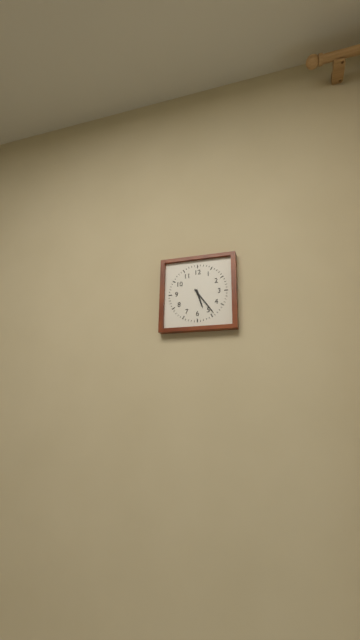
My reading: 5:24
